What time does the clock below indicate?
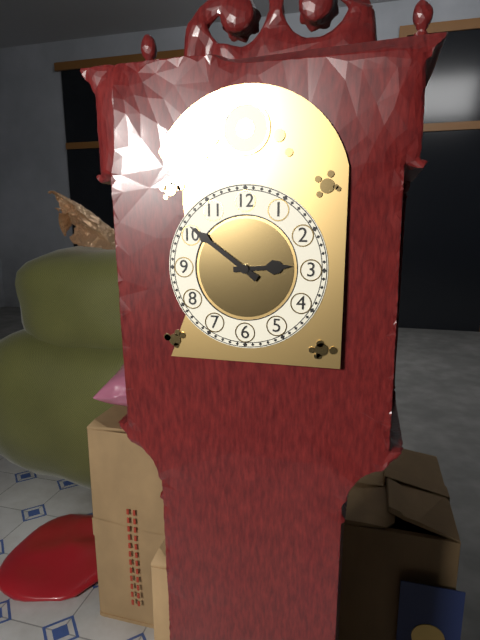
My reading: 2:51
